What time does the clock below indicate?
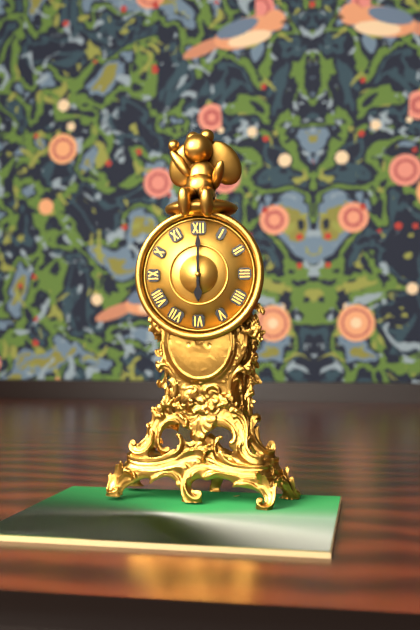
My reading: 6:00
